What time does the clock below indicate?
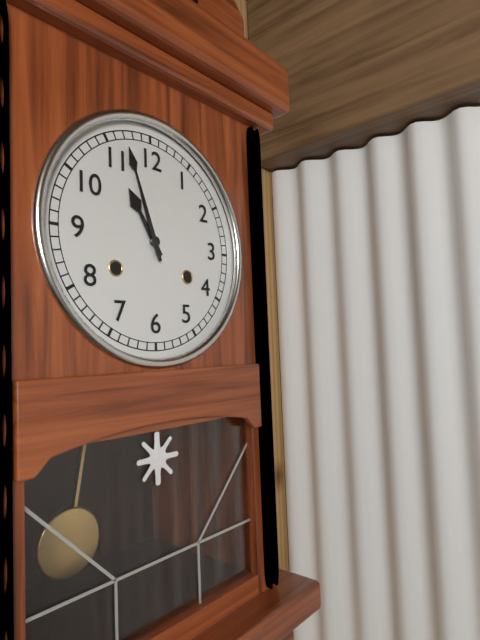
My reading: 10:57
